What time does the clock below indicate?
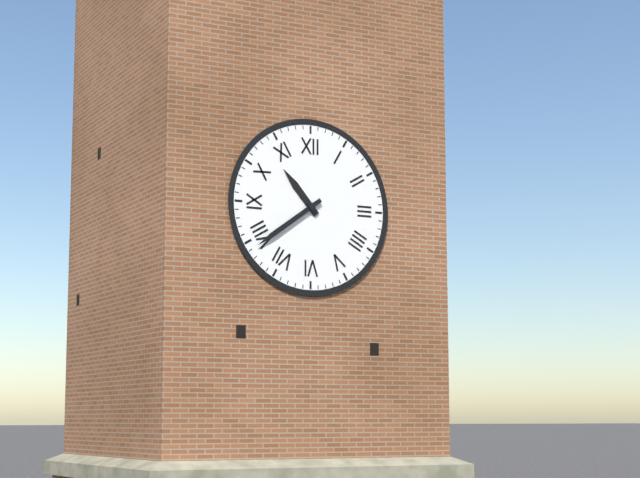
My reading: 10:39
